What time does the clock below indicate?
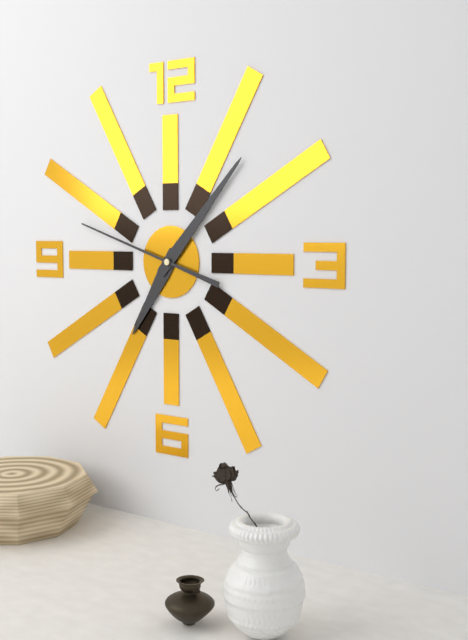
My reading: 7:07:48
